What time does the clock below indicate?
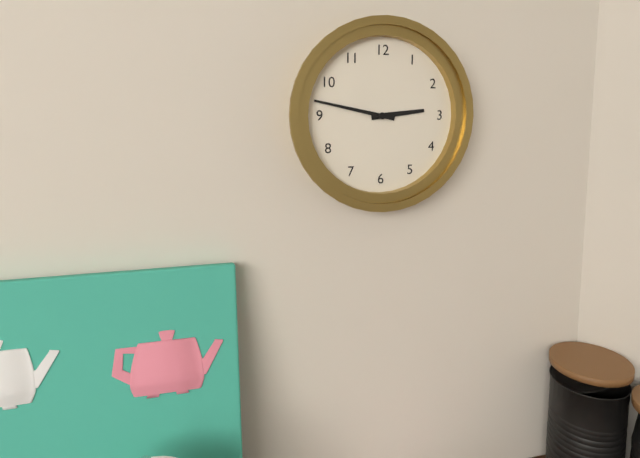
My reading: 2:47
